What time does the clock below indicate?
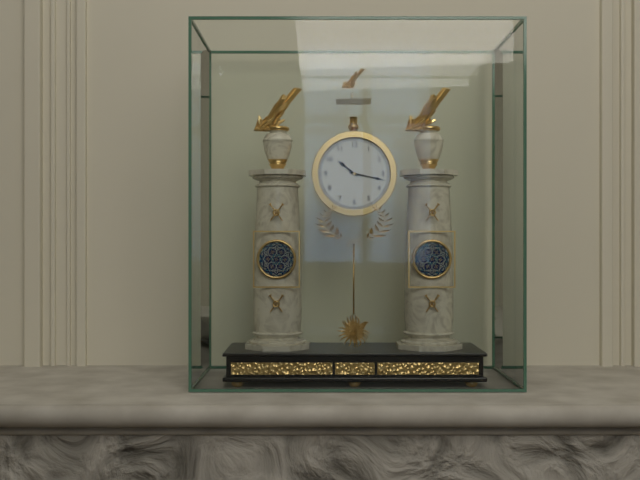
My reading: 10:17
